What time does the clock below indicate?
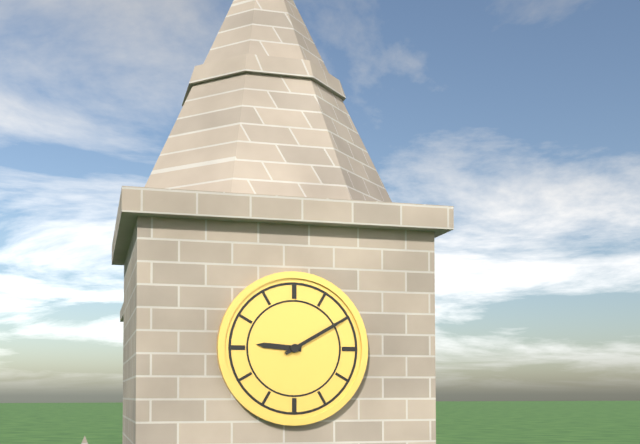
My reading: 9:10
